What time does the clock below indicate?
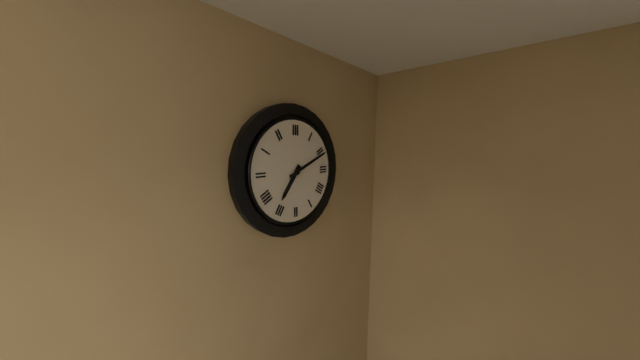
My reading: 7:11
